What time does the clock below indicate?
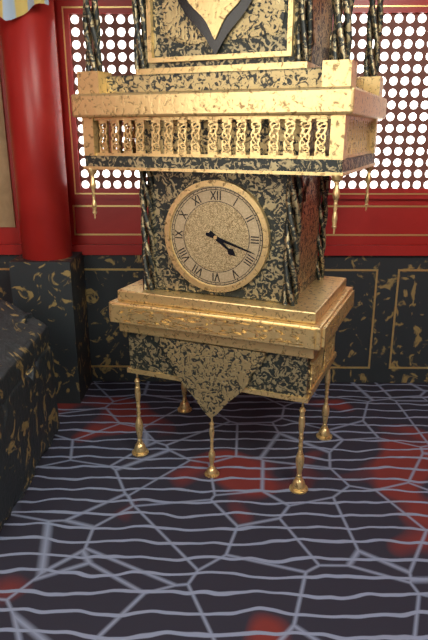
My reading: 4:18
